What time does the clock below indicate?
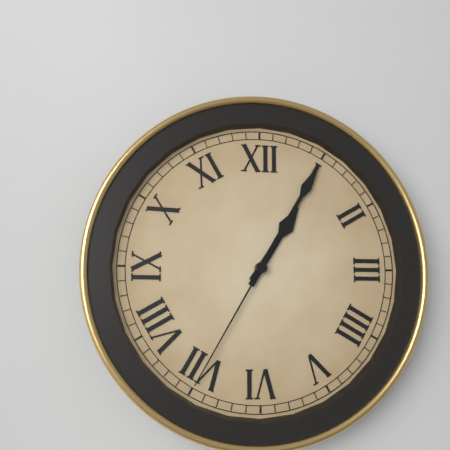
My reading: 1:05:35
